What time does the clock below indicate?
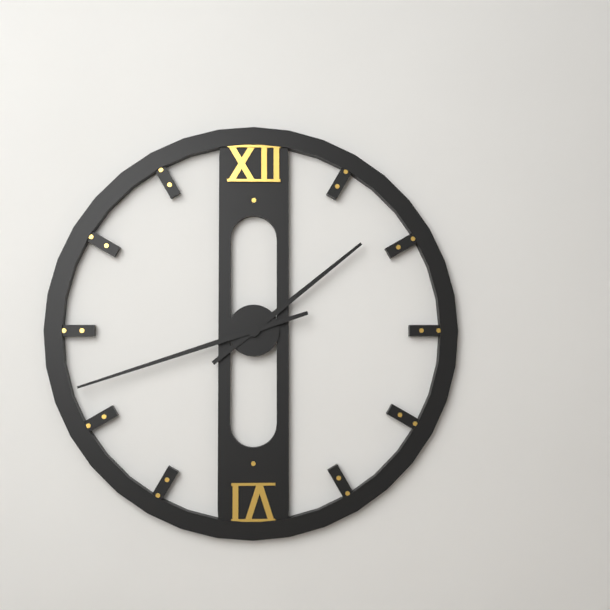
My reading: 1:42
